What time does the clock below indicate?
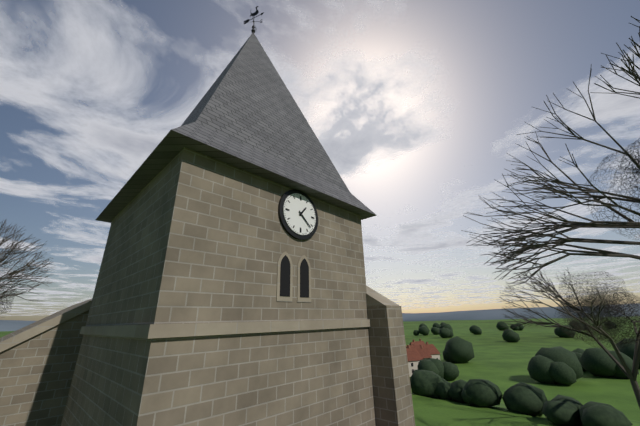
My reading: 1:22
